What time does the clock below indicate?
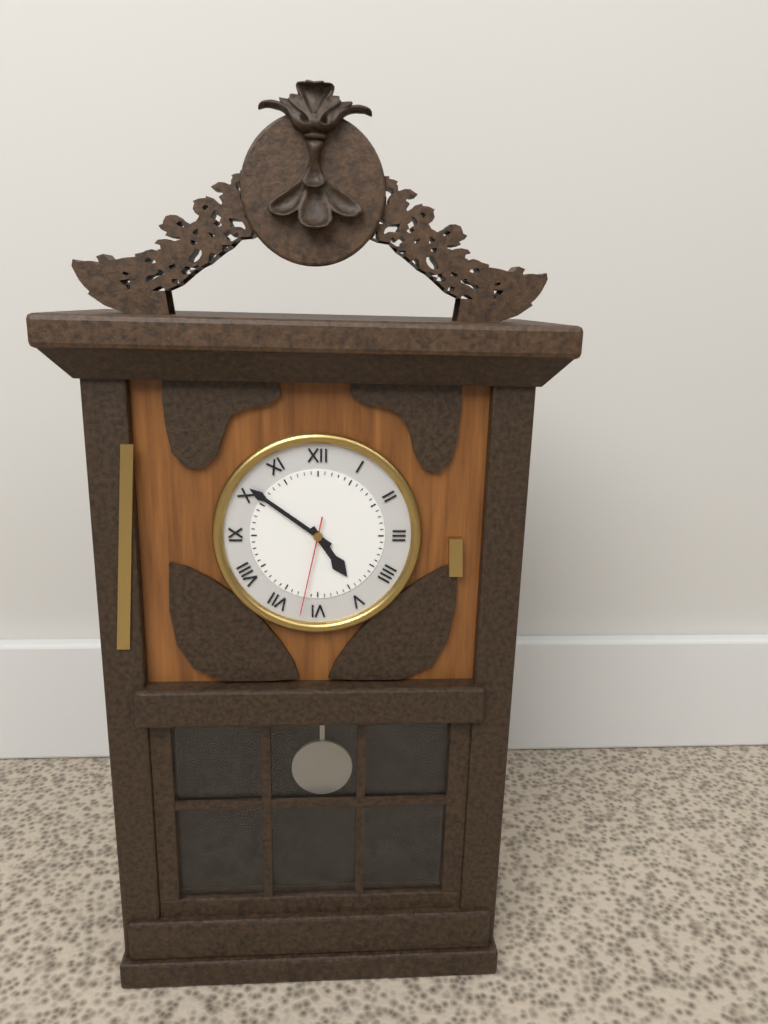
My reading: 4:51:32
